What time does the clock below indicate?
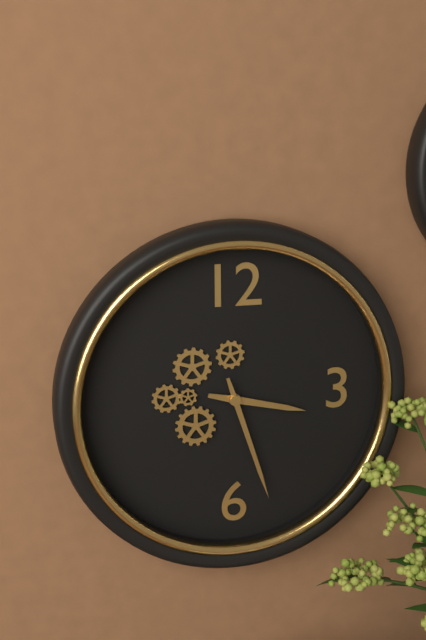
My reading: 3:27
